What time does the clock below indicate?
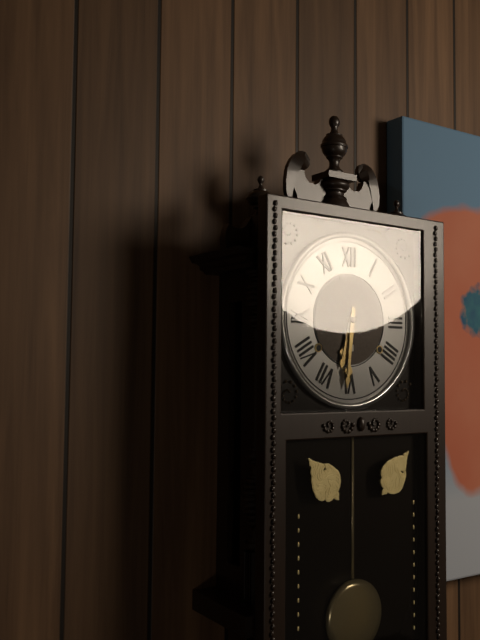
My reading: 6:31
